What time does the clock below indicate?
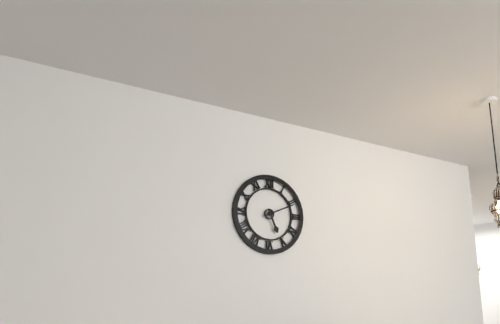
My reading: 5:11
